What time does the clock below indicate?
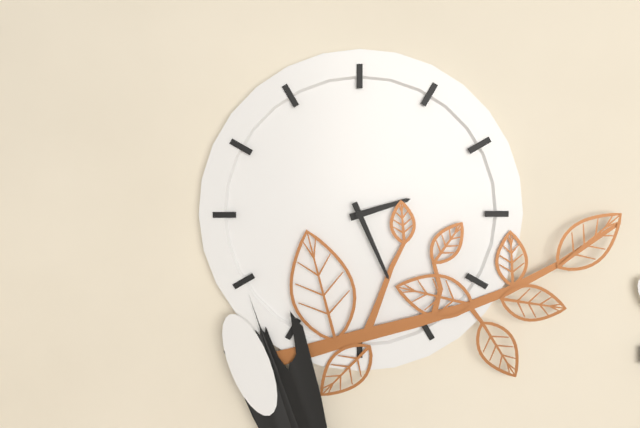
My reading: 2:26
